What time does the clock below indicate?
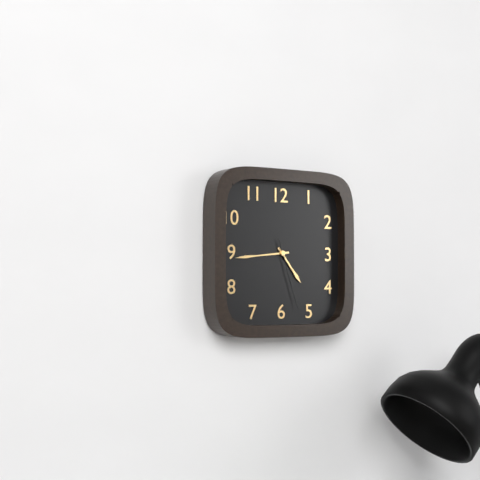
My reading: 4:44:27
